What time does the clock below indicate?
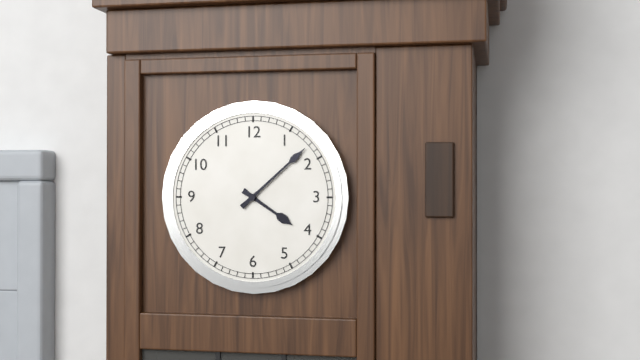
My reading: 4:08
